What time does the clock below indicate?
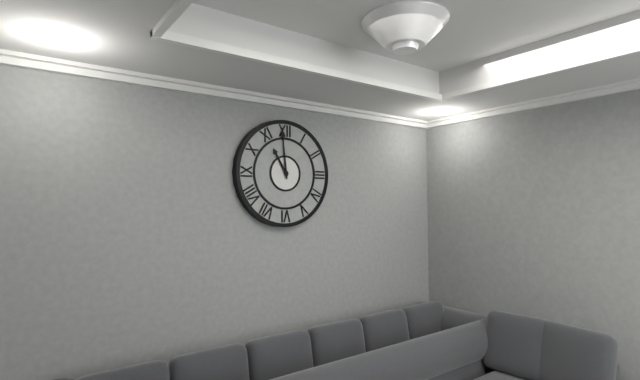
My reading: 10:59
